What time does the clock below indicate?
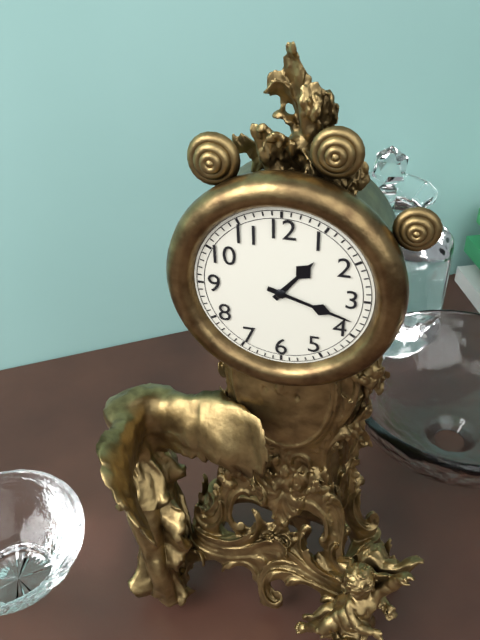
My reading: 1:18
